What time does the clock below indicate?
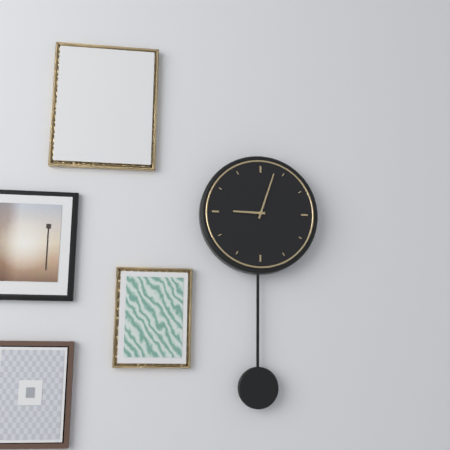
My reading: 9:03
